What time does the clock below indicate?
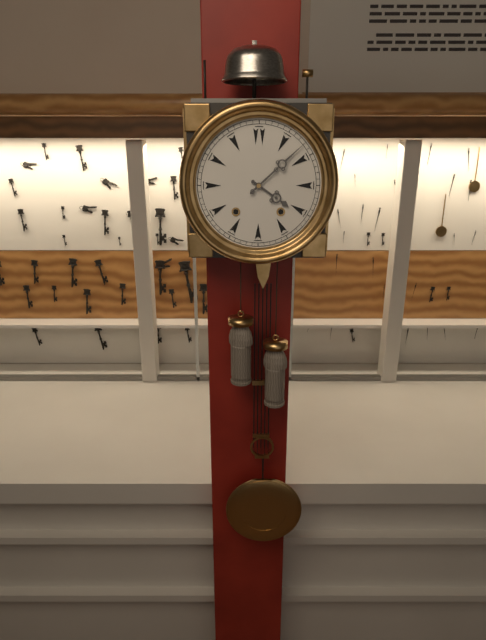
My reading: 4:08
